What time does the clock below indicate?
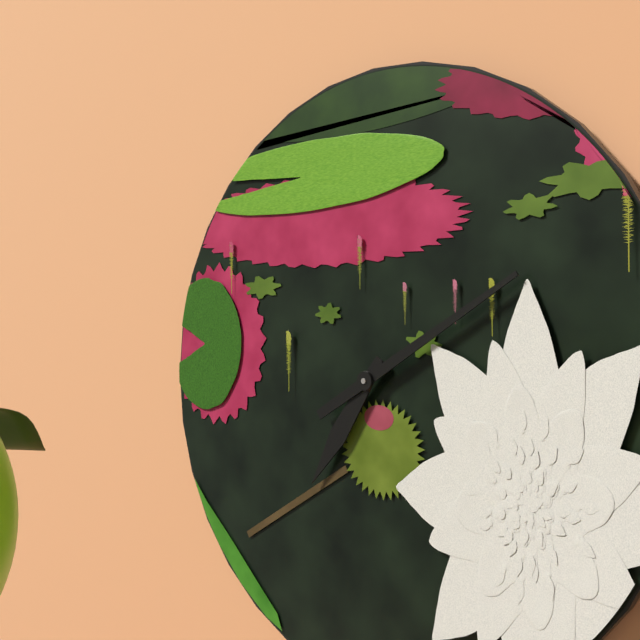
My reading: 7:10
